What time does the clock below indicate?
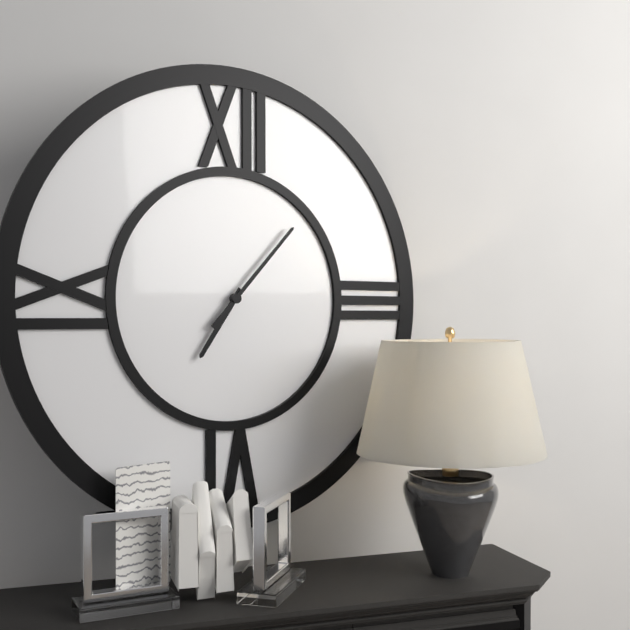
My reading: 7:07
